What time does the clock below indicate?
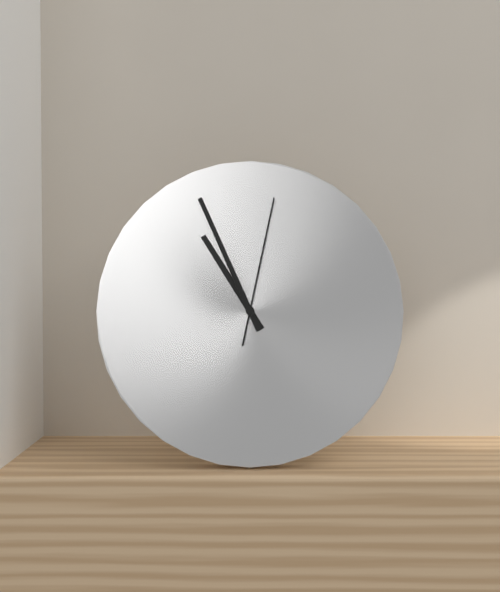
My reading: 10:56:02
